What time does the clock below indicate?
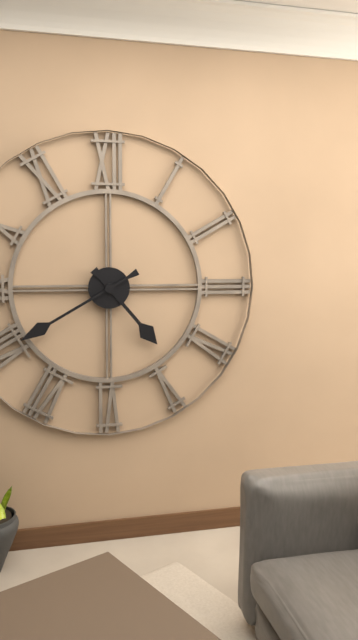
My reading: 4:40
